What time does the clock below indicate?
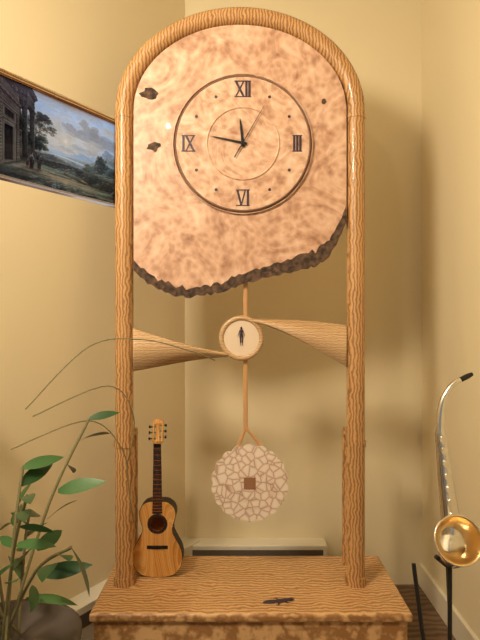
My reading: 11:47:05
